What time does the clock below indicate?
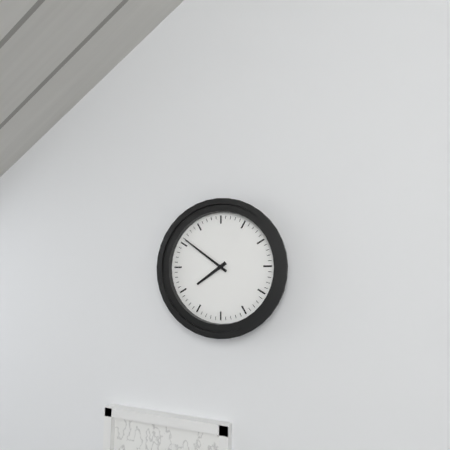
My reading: 7:51
